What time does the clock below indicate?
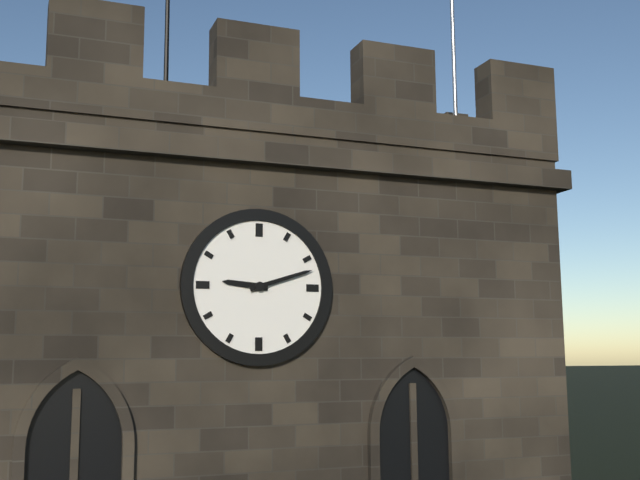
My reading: 9:12
